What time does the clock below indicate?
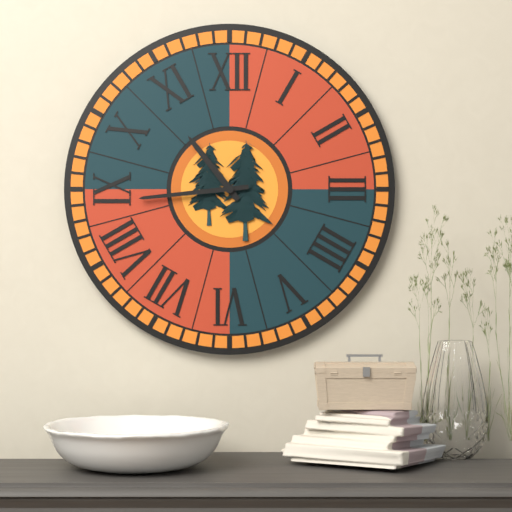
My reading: 10:44
